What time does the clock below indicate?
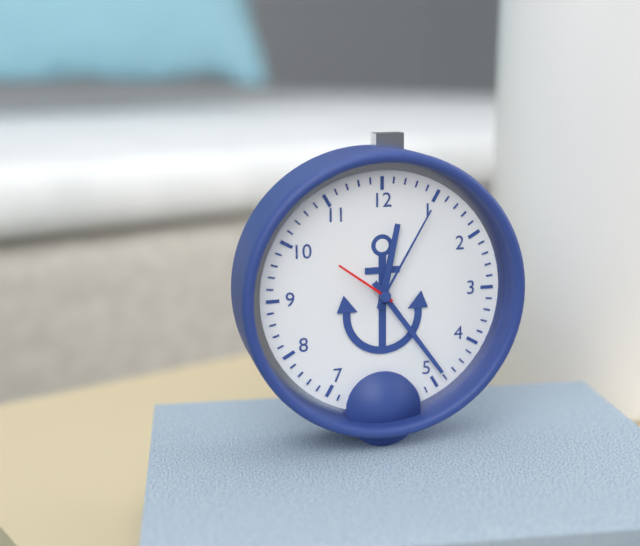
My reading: 12:24:51
